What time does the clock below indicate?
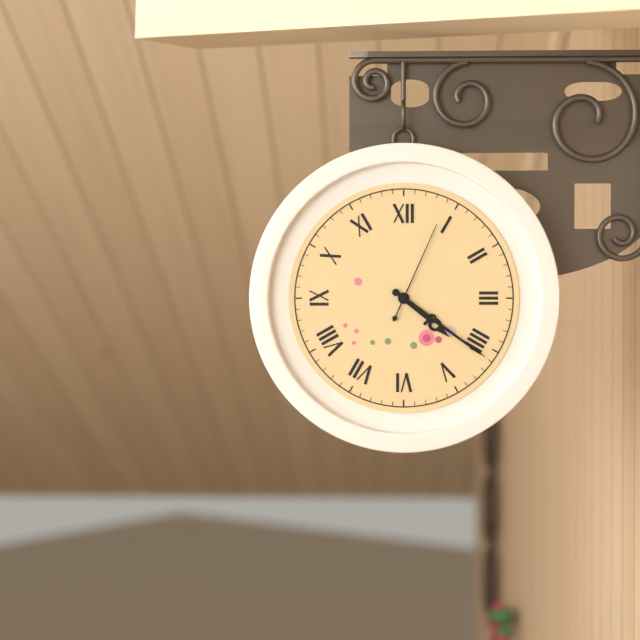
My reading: 4:21:04
